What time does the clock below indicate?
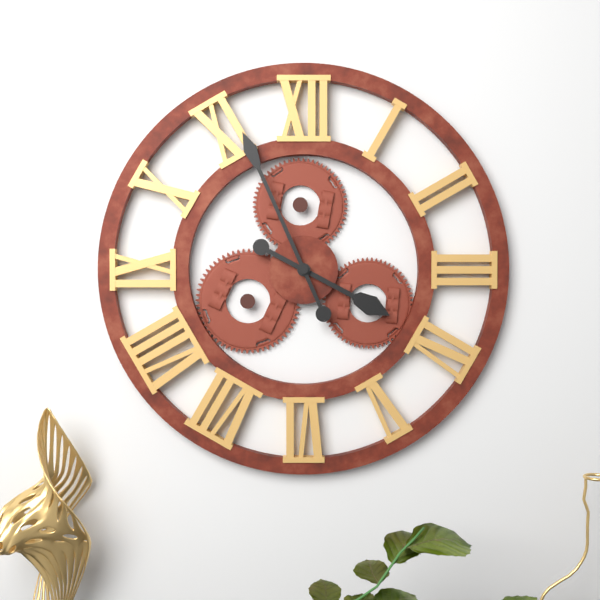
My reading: 3:56
